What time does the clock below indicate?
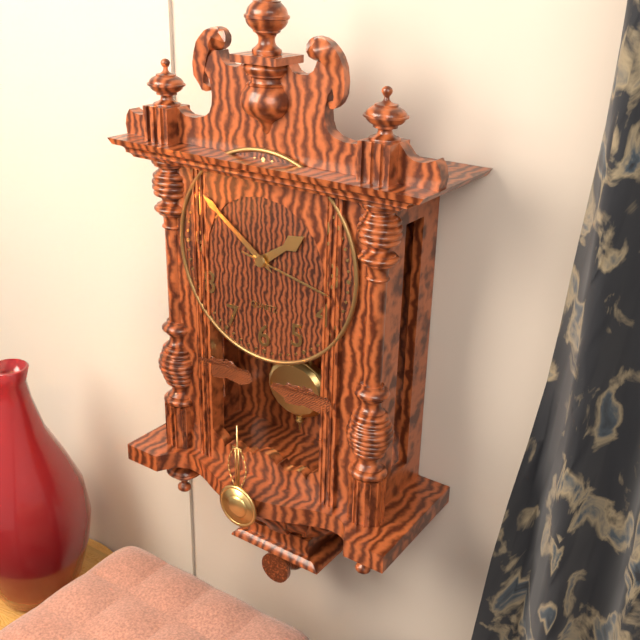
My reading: 1:51:17
